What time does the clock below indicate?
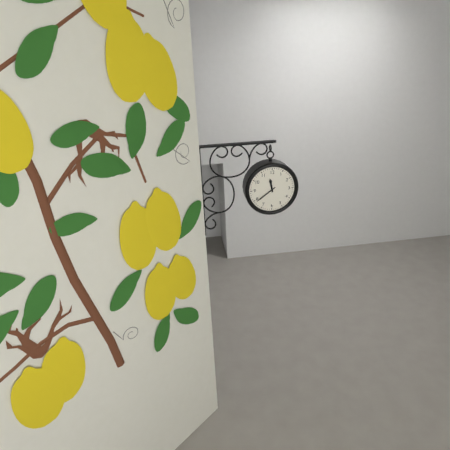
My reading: 11:39
